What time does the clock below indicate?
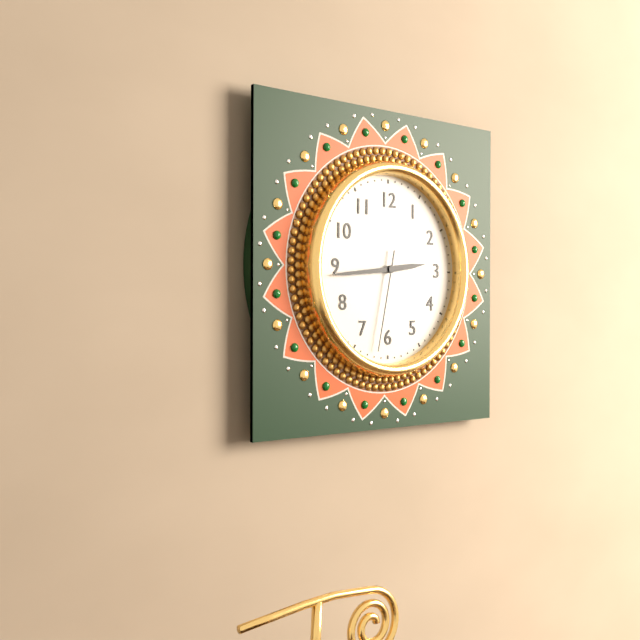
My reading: 2:44:32
